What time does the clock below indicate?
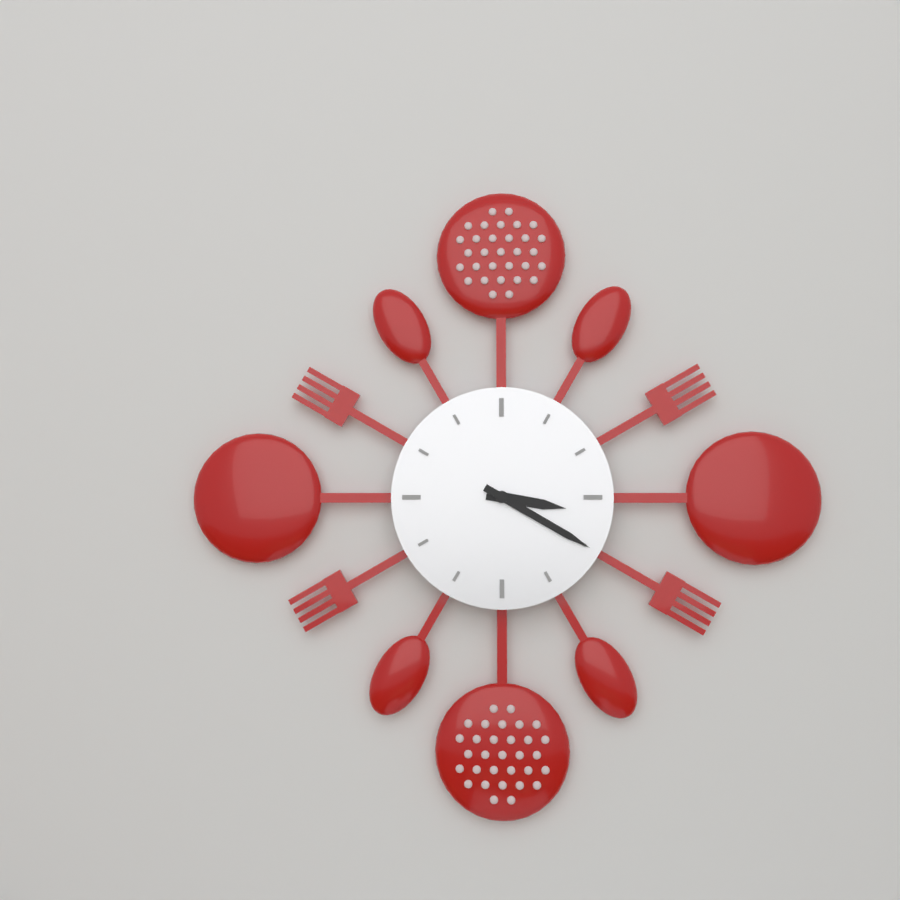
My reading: 3:20
